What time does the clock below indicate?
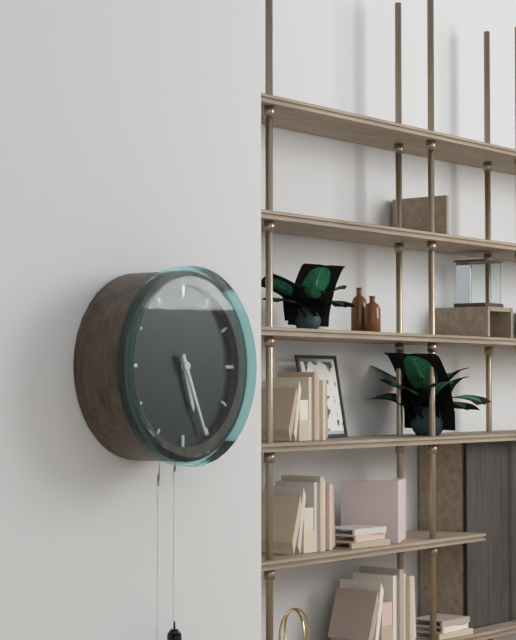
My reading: 5:26
